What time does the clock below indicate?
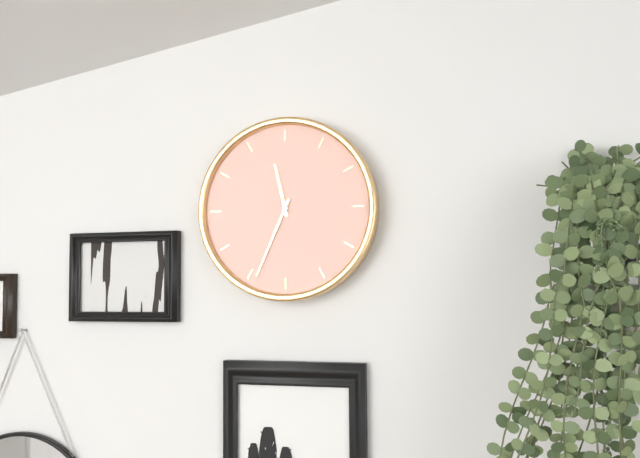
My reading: 11:34
